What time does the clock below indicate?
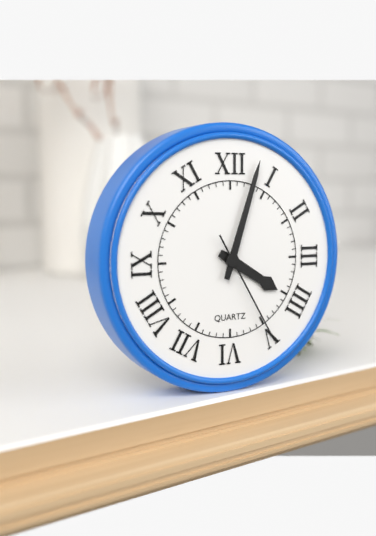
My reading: 4:03:25
